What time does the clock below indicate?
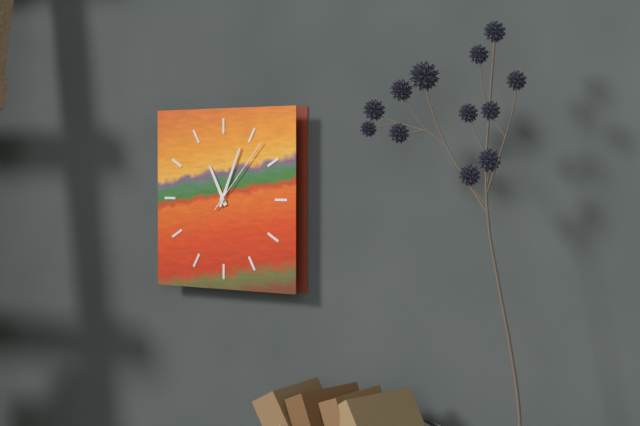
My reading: 11:04:07
